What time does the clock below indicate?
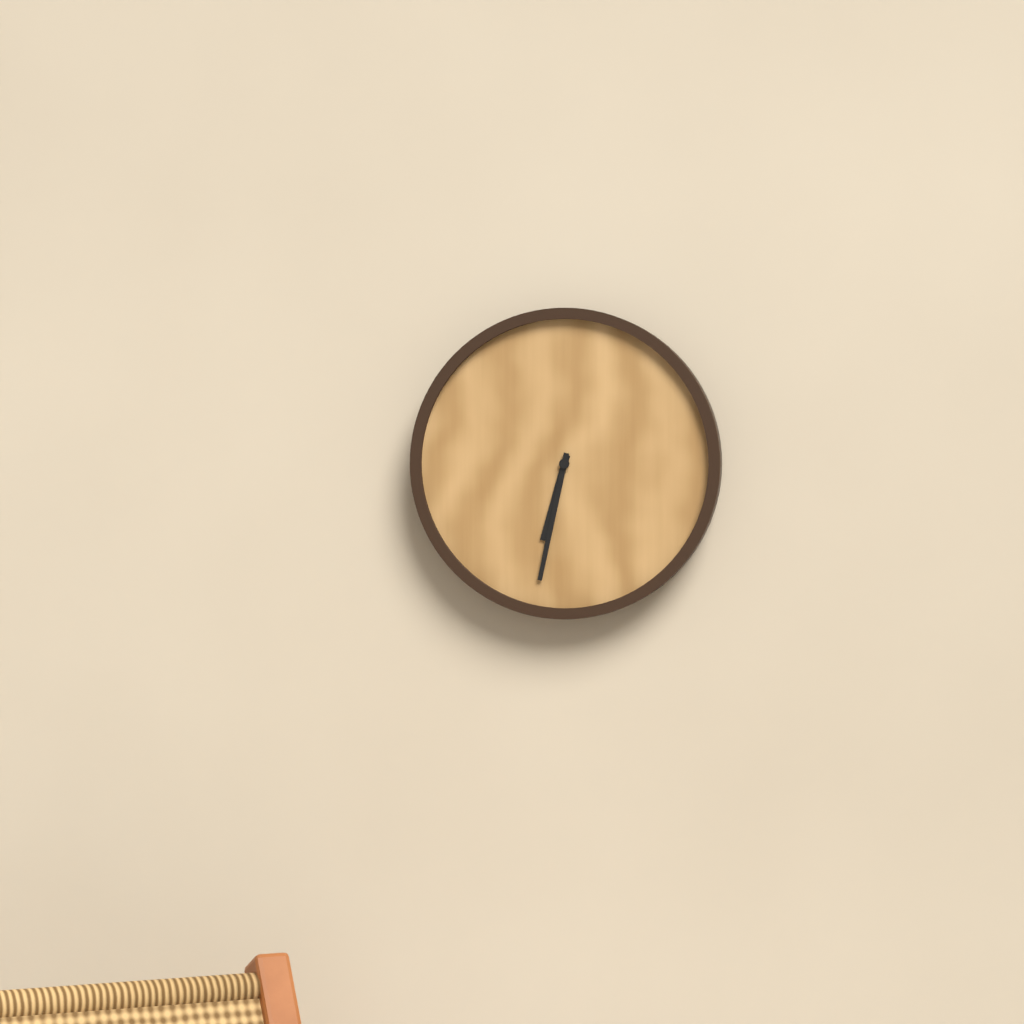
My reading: 6:32
